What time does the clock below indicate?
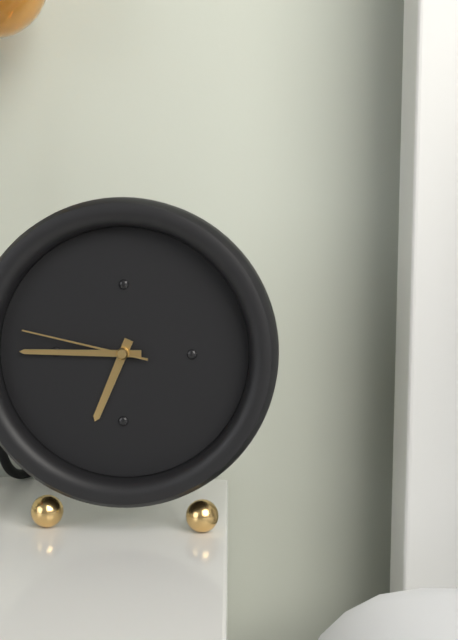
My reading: 6:45:47
